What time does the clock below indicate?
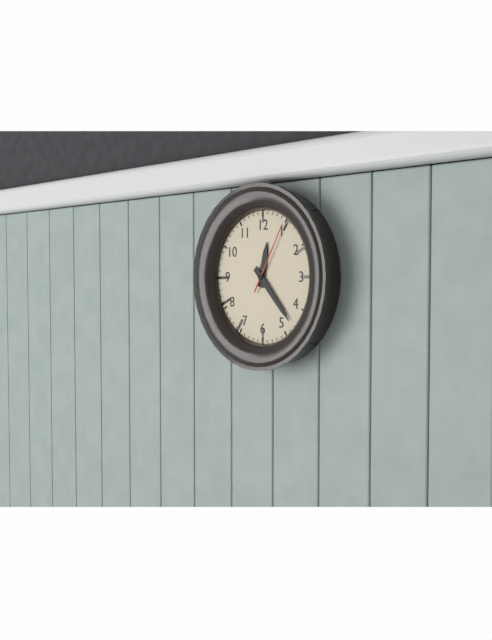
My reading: 12:23:05
